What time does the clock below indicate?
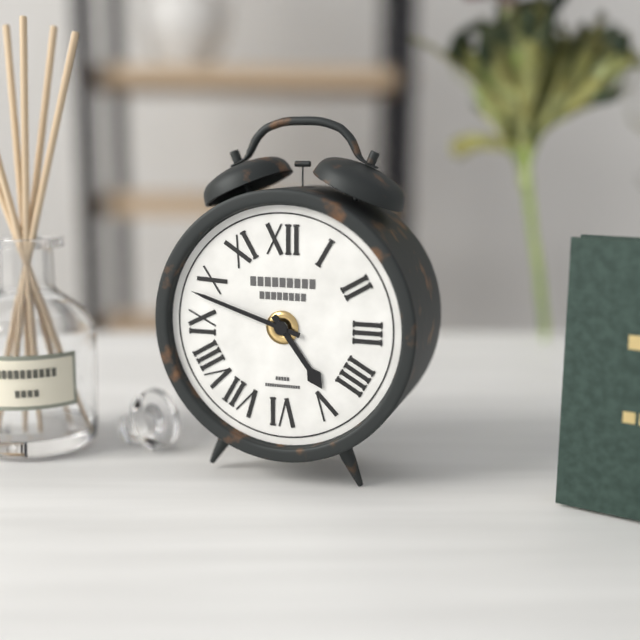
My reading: 4:48
